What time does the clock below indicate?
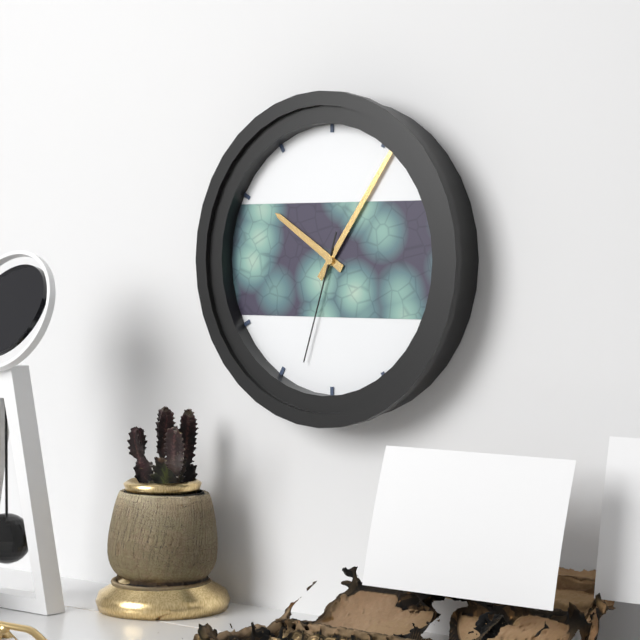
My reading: 10:06:33
